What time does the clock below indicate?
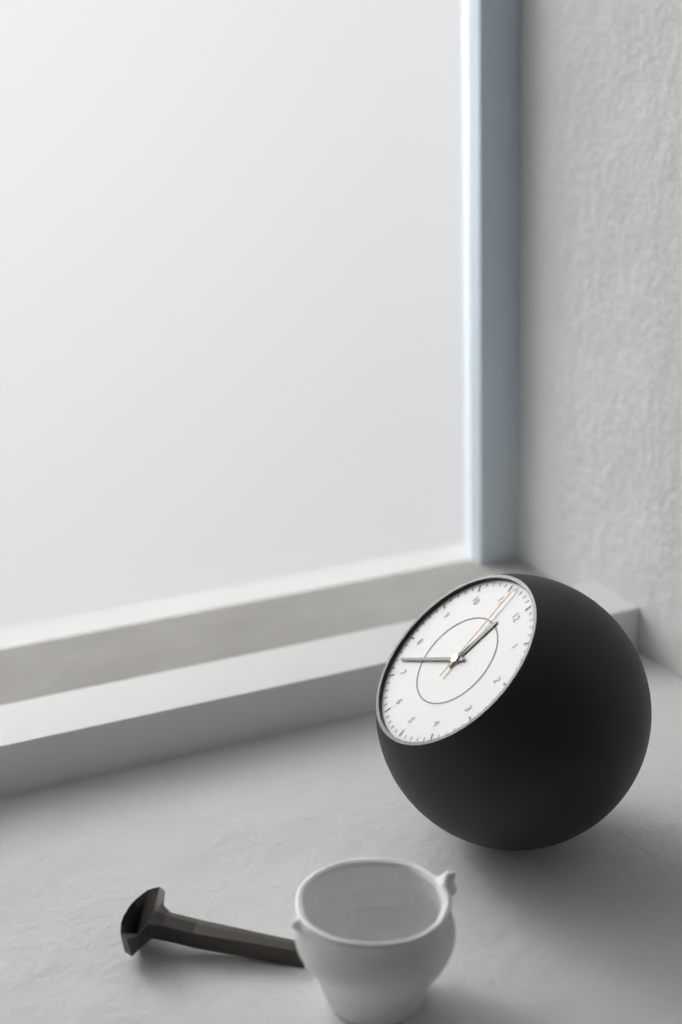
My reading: 11:37:56
